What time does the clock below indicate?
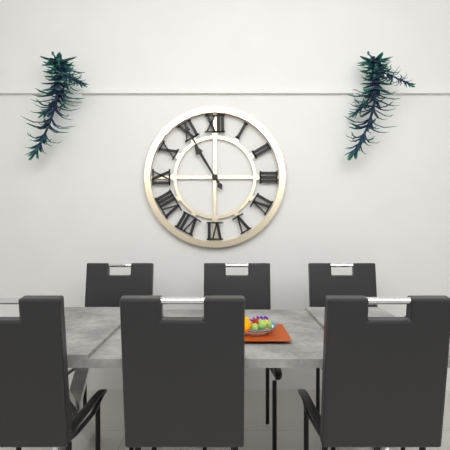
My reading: 10:55
